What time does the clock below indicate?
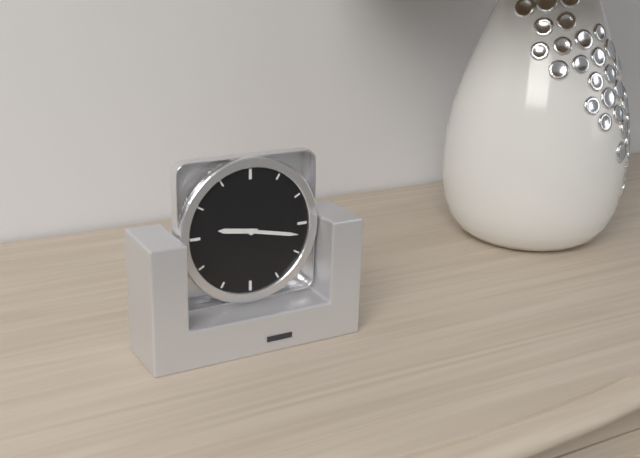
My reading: 9:17
